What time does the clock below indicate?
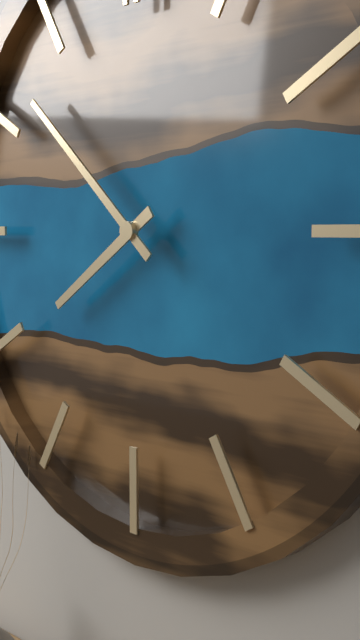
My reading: 7:52
